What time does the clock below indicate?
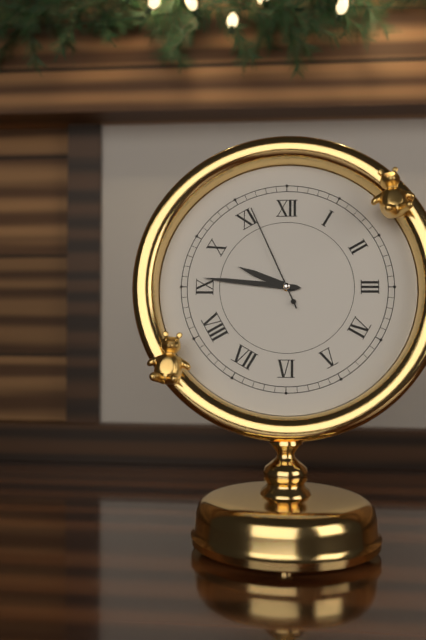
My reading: 9:46:56
